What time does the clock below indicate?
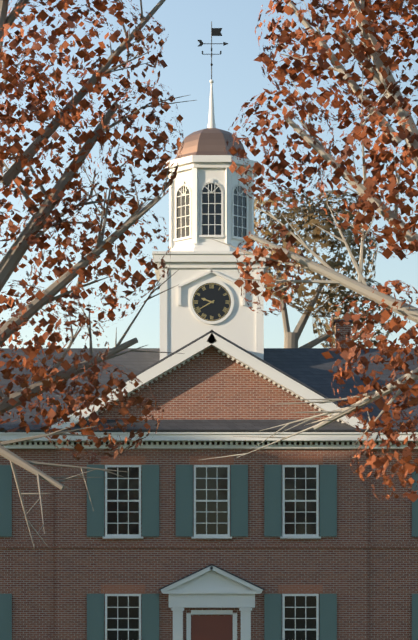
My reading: 9:40
